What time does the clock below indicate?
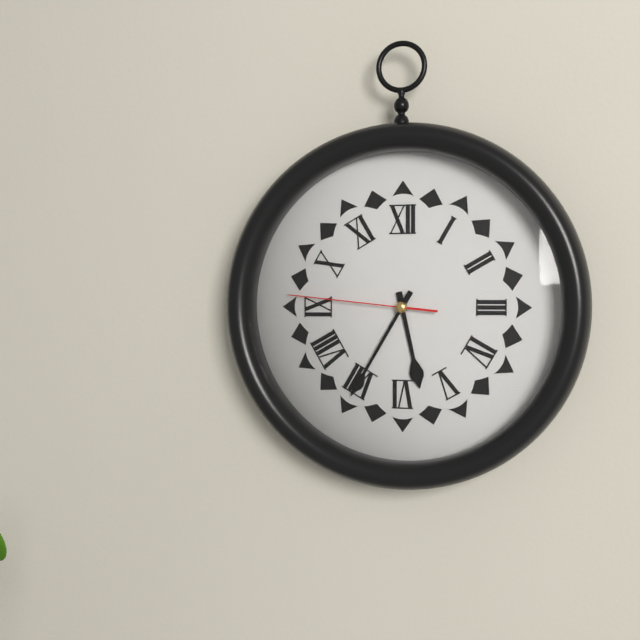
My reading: 5:35:46
